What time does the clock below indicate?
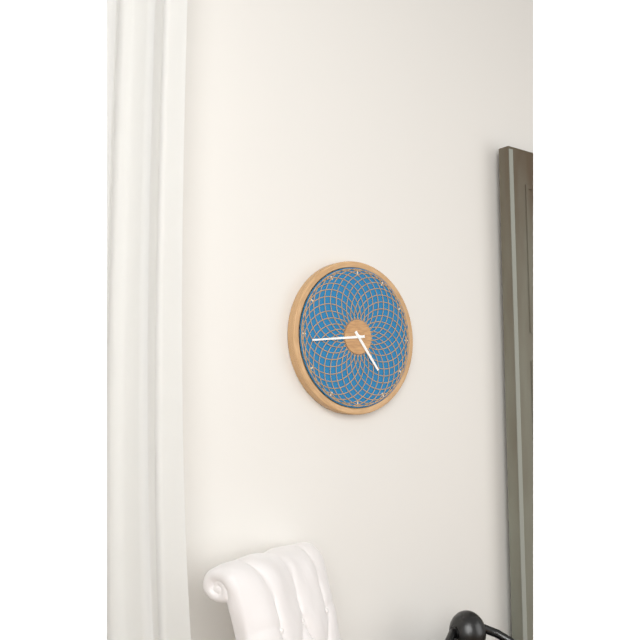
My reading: 4:44
